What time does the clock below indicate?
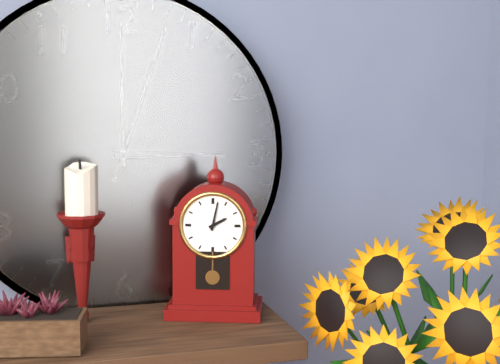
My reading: 2:02
